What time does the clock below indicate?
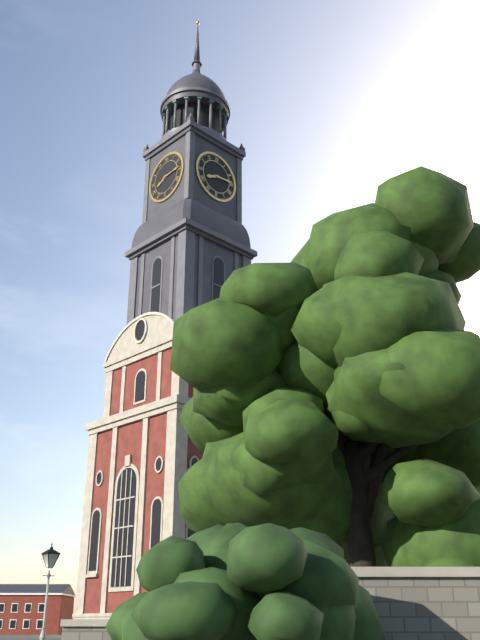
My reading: 8:14
